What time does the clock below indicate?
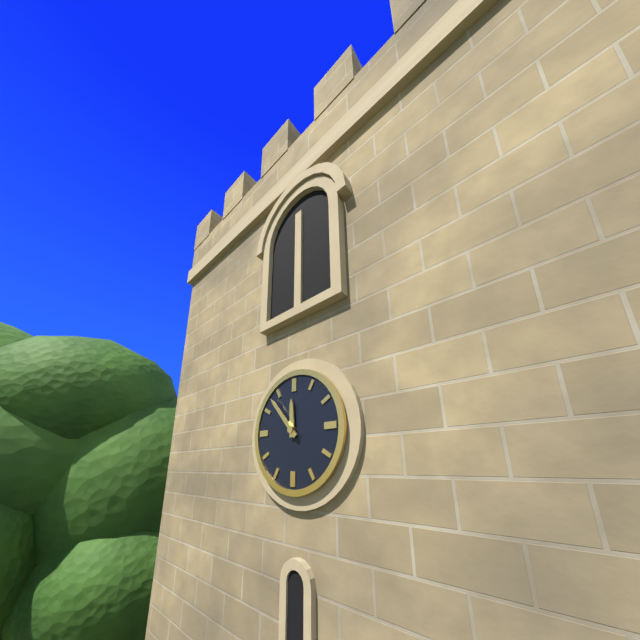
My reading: 11:53
